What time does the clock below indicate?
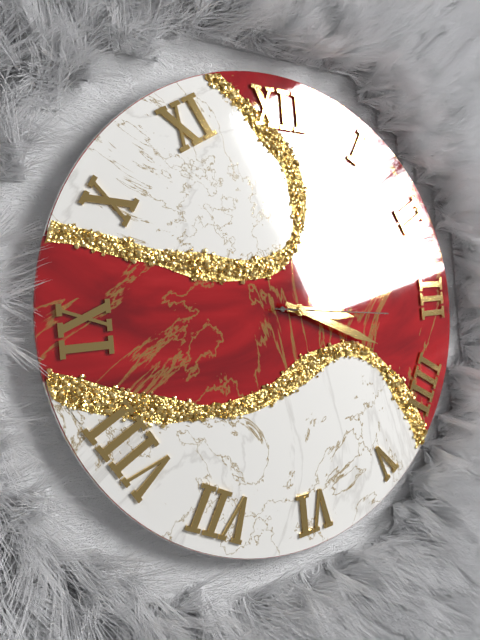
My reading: 3:19:16
